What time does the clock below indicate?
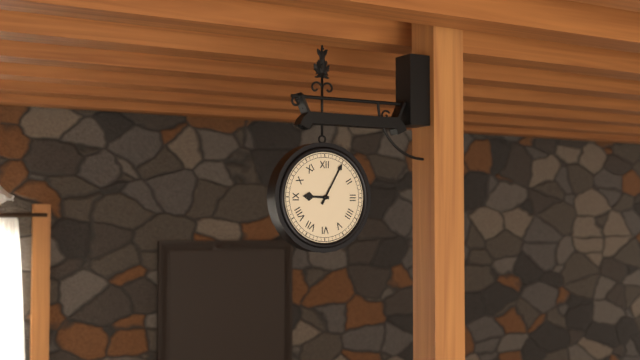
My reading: 9:05
